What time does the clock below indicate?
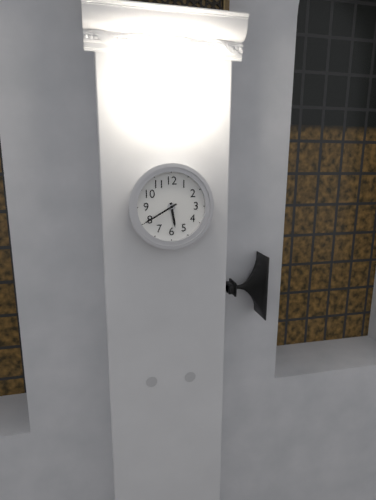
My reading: 5:40
